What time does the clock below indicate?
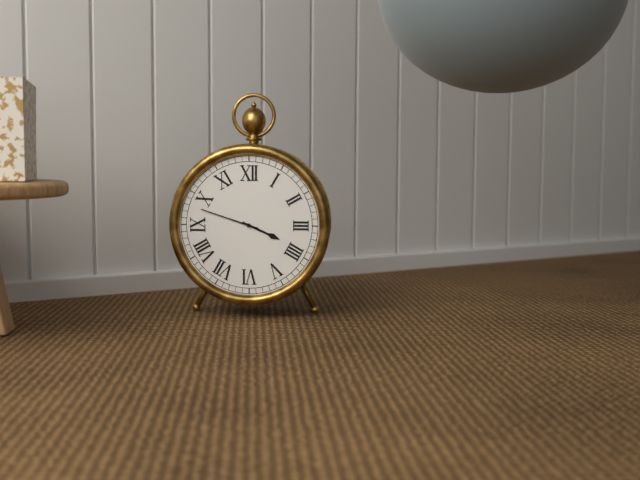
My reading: 3:48
